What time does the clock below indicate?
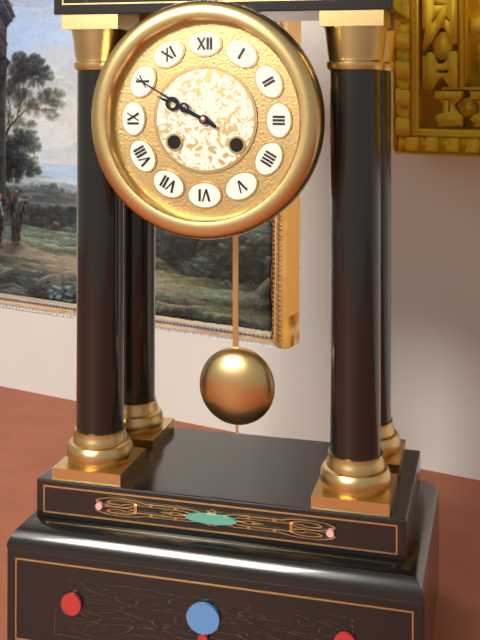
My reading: 9:50
